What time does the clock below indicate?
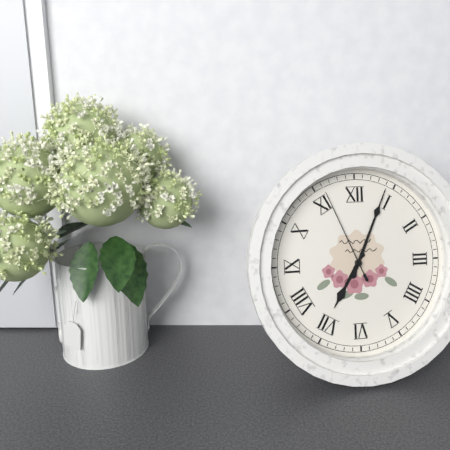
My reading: 7:04:56
